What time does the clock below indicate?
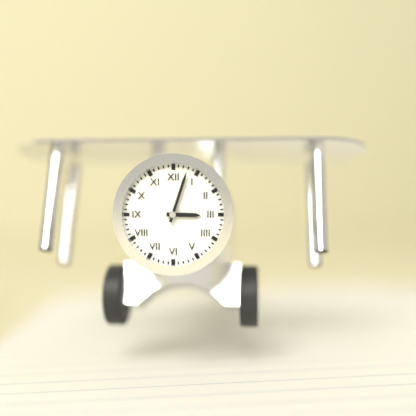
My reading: 3:03
